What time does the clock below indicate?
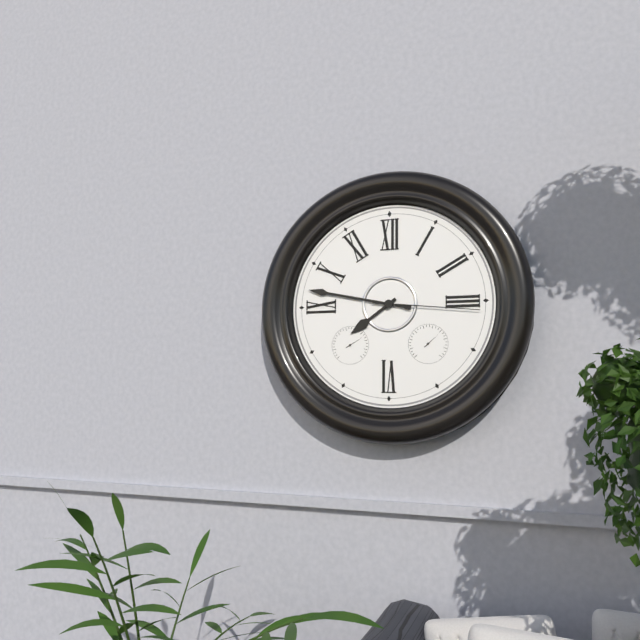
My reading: 7:47:16
